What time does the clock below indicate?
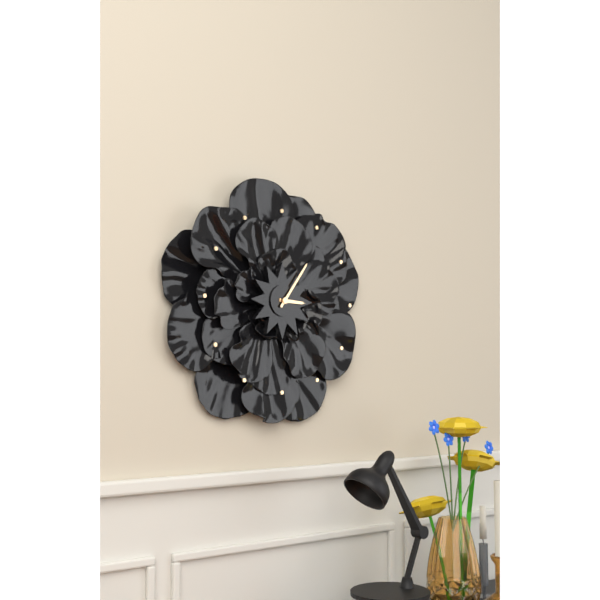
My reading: 3:06
